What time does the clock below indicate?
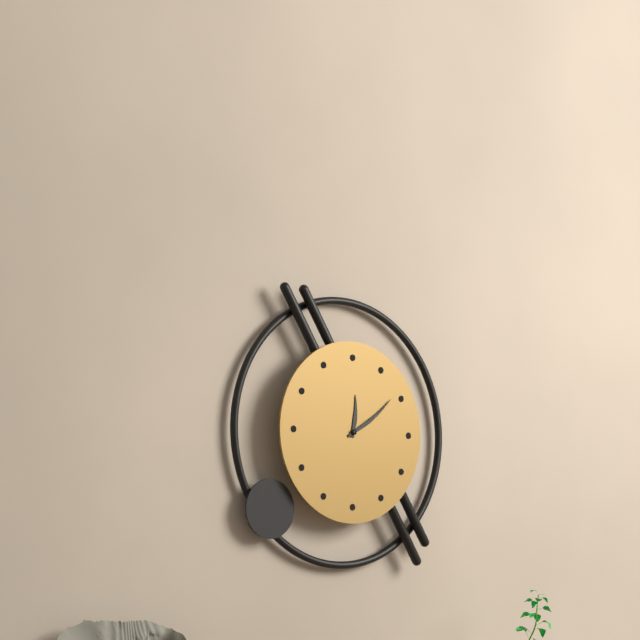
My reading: 12:09
